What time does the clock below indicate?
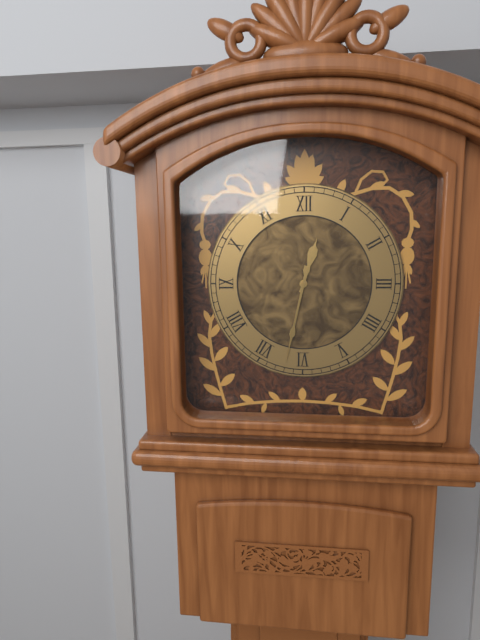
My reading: 12:32
